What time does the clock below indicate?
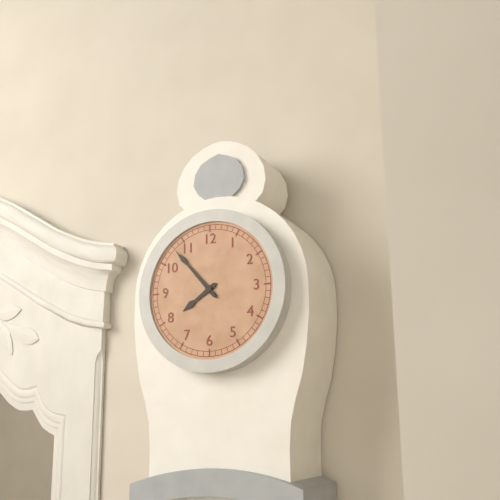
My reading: 7:53
